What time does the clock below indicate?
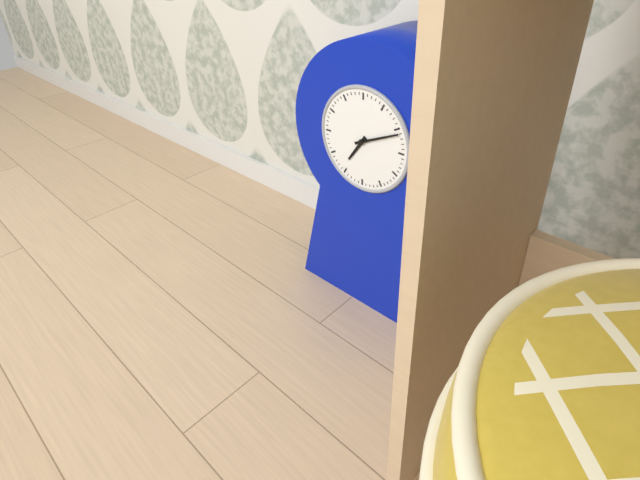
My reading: 7:11
